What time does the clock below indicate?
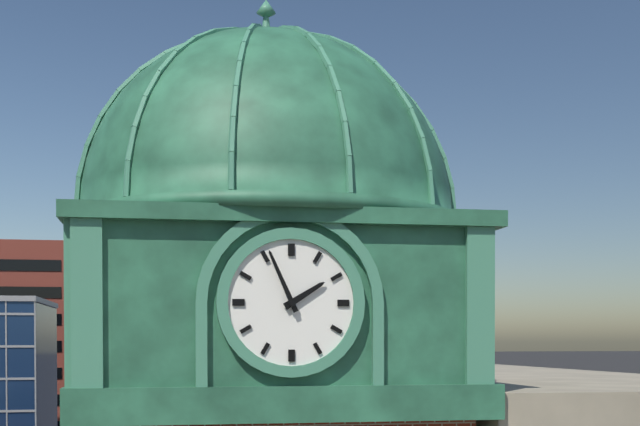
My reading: 1:56
